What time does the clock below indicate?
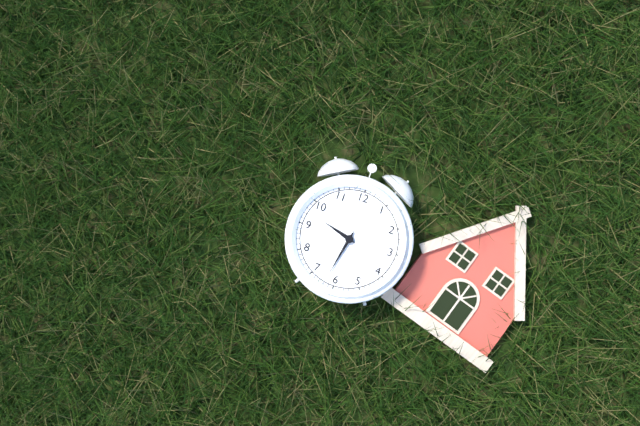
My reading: 9:32
